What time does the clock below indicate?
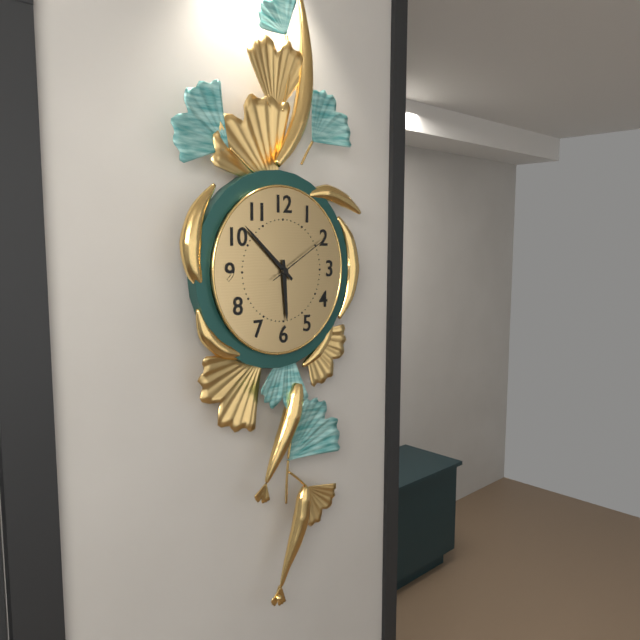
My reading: 5:52:10
